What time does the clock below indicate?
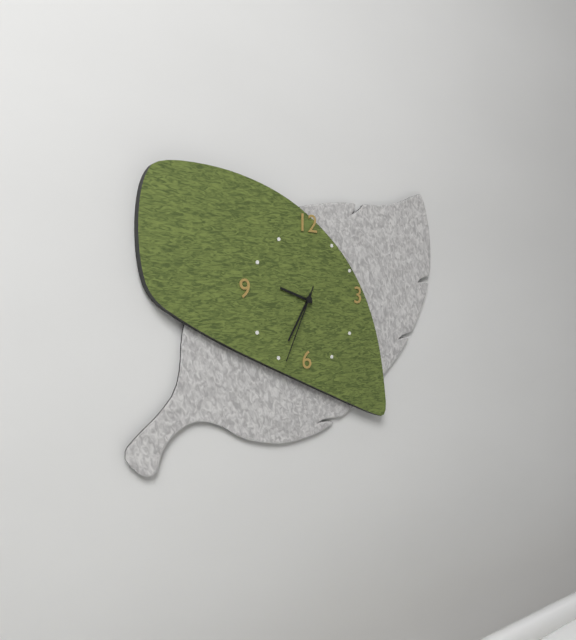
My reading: 9:35:34
